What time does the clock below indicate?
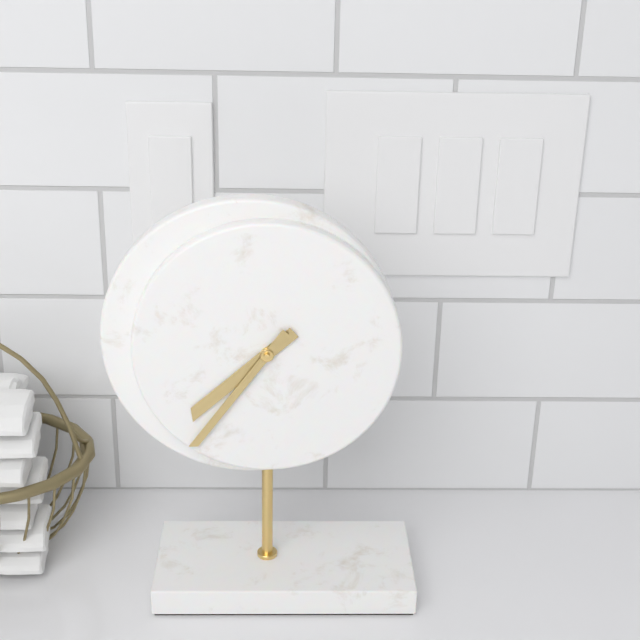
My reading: 7:36
